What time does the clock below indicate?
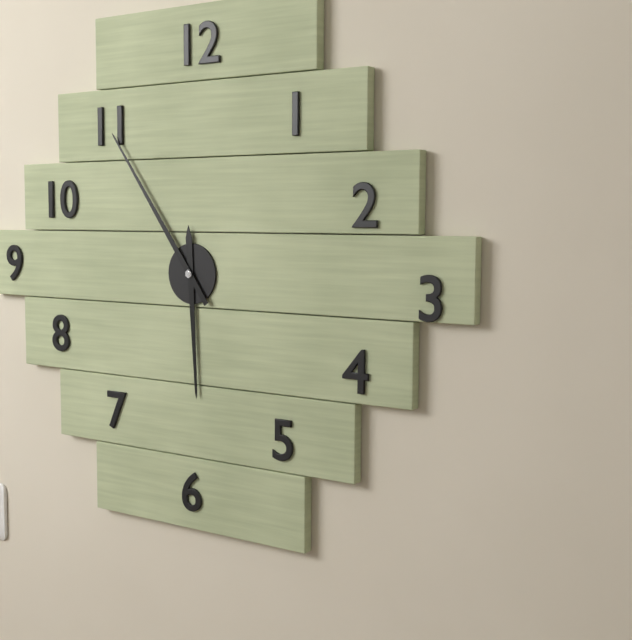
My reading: 5:54
